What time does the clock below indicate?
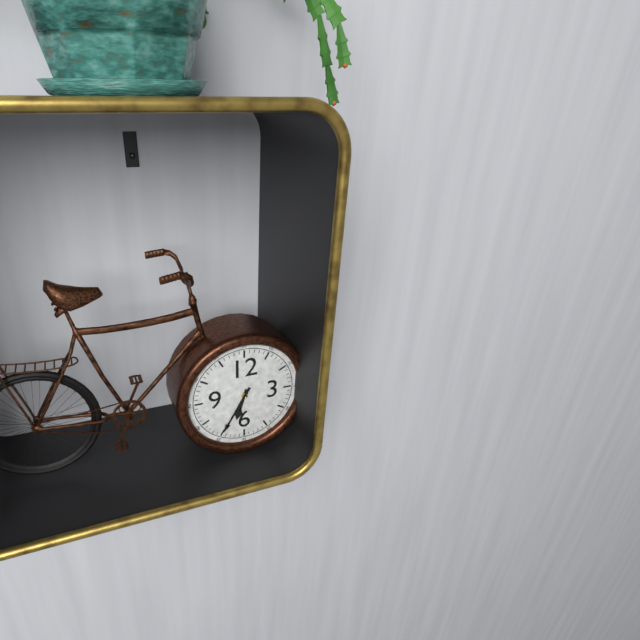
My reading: 6:35
